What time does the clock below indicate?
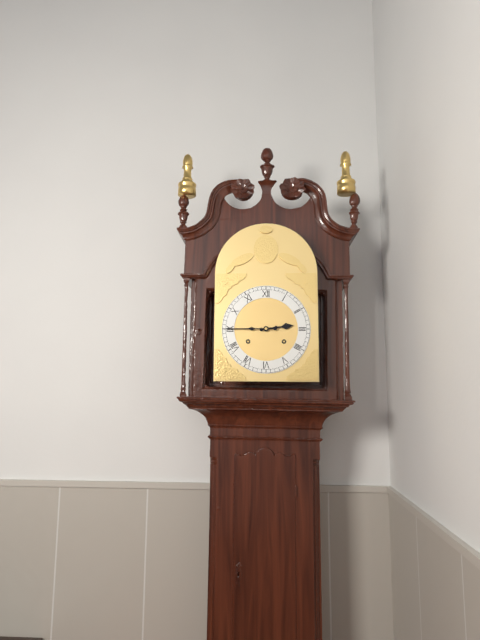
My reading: 2:45
